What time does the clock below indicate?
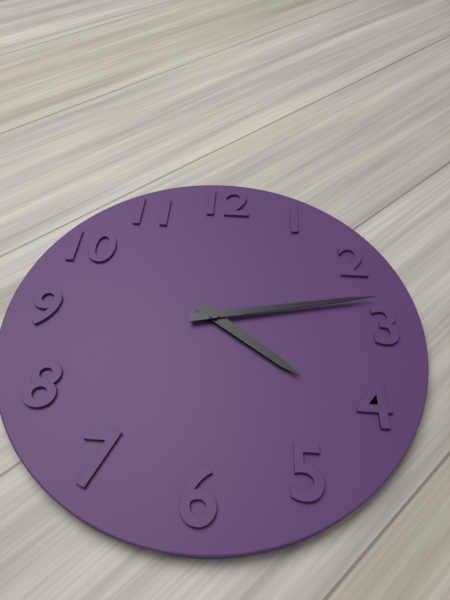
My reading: 4:13
